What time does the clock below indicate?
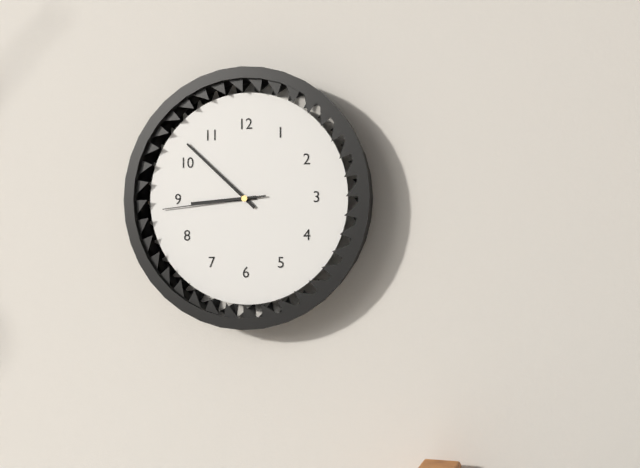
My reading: 8:52:44
